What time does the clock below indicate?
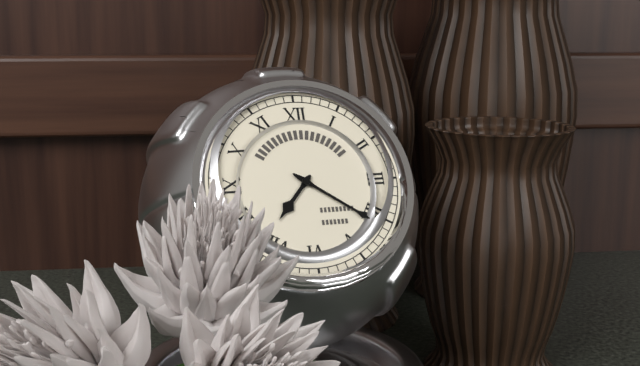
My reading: 7:21
